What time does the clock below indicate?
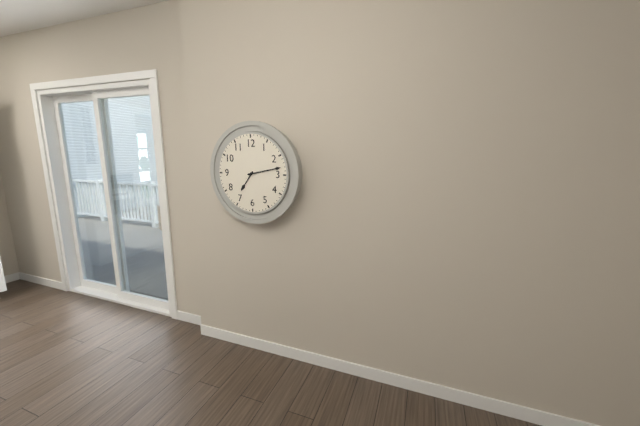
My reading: 7:13
